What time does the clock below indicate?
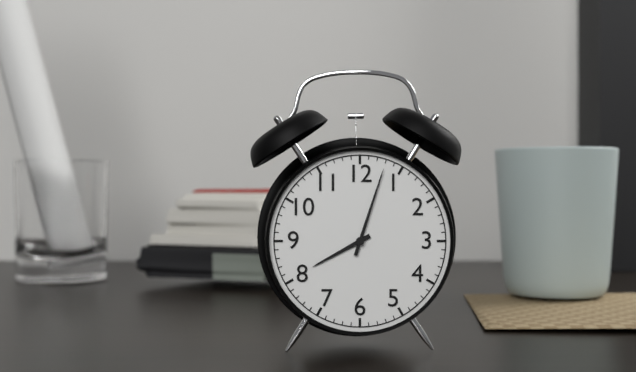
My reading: 8:03
